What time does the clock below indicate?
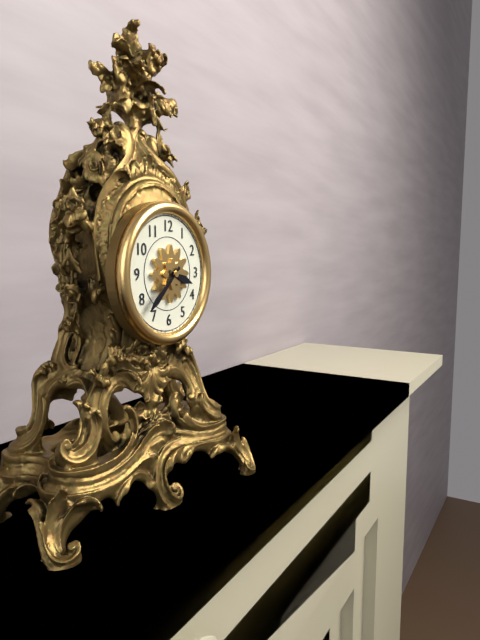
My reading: 3:38
